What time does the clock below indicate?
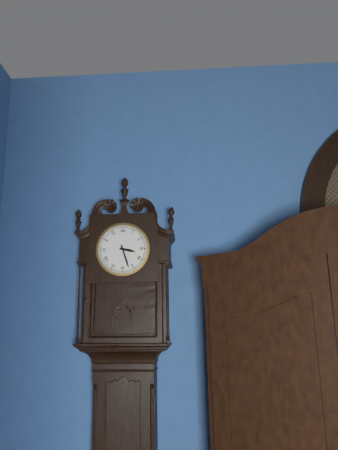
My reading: 3:27
